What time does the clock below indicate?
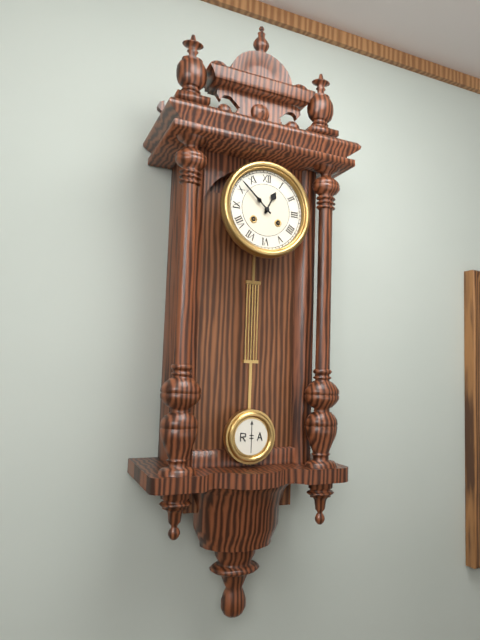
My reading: 12:52
